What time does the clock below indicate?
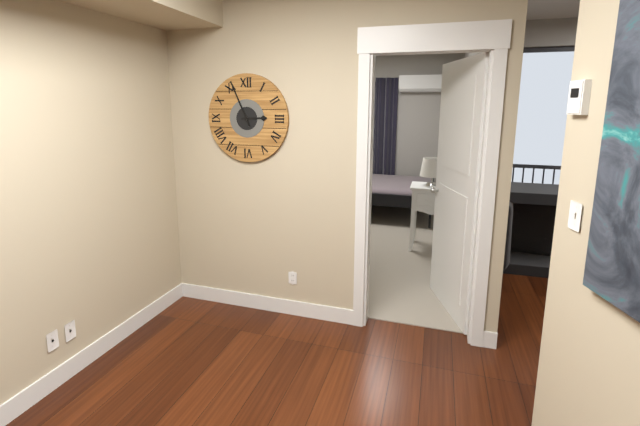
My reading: 2:56
